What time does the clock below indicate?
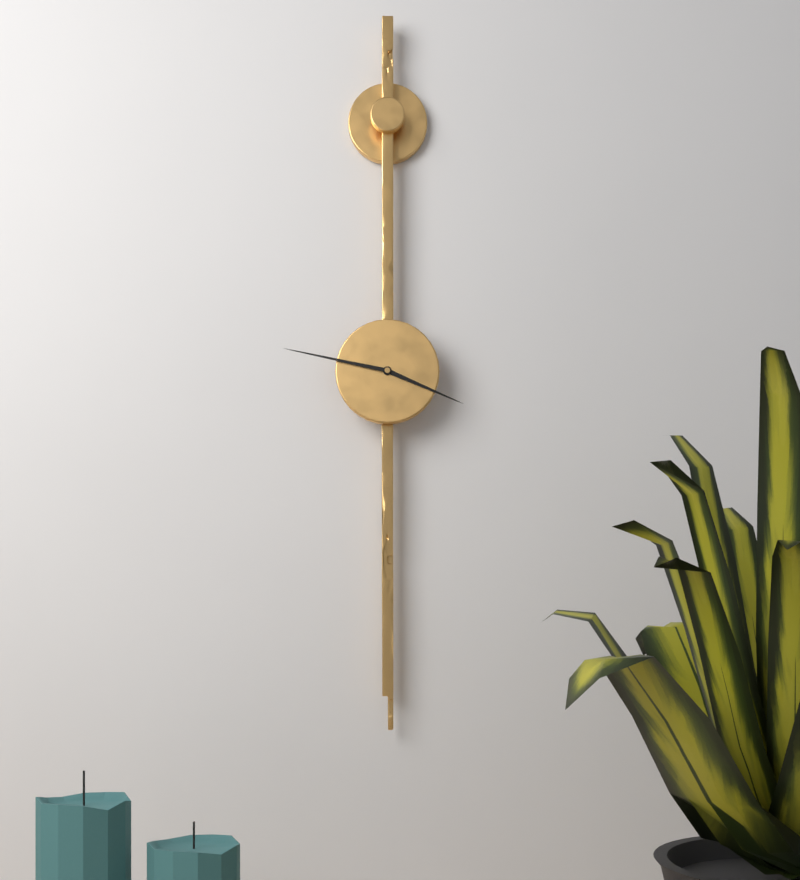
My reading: 3:47
